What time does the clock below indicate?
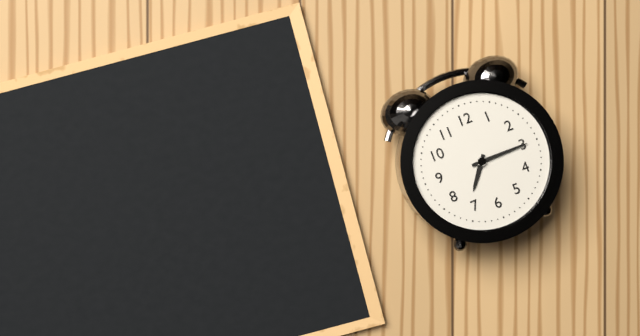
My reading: 7:15
